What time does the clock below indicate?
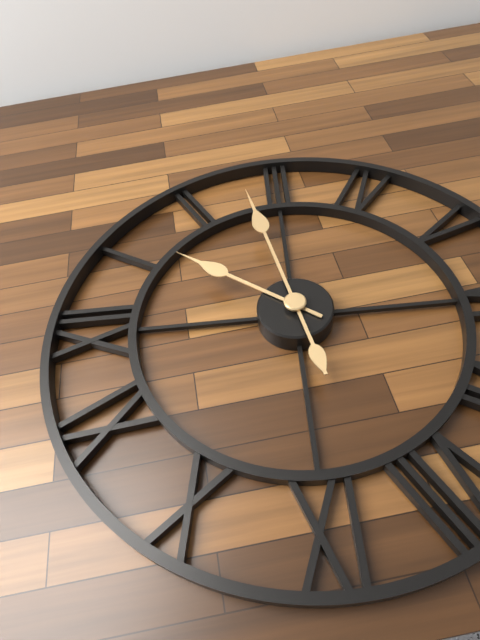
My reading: 1:13
